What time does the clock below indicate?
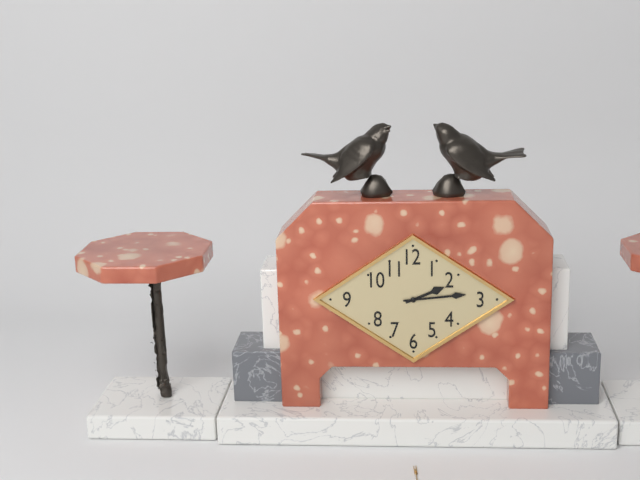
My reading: 2:14
